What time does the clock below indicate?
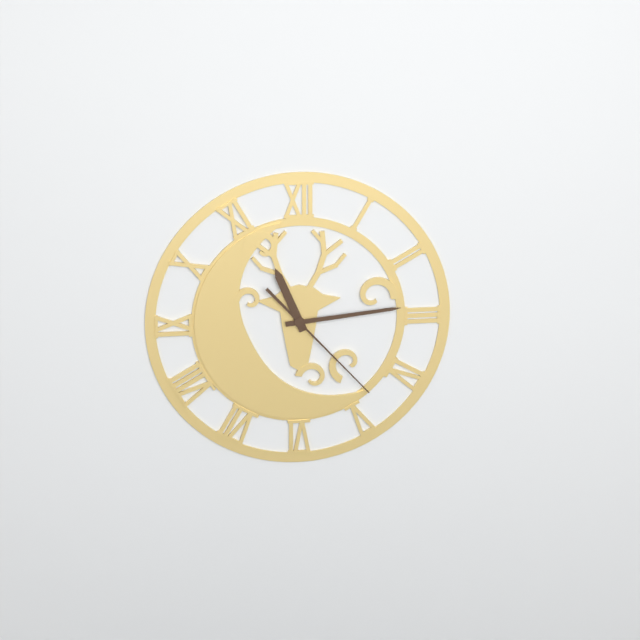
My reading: 11:14:23
